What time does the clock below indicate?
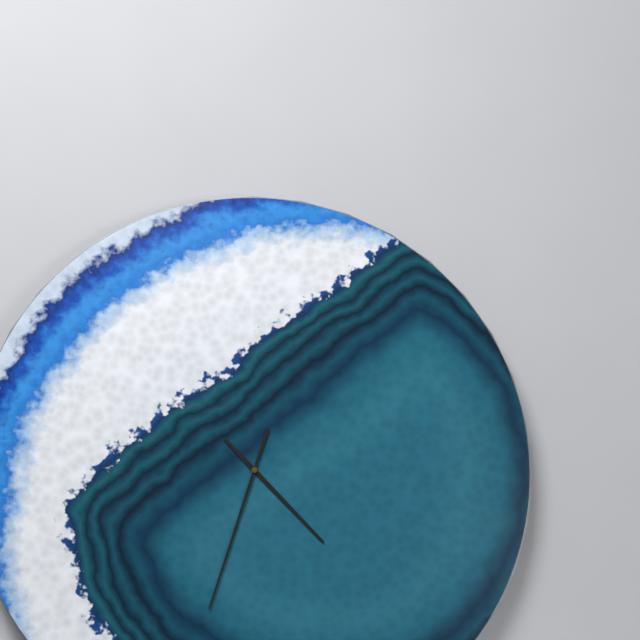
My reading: 4:33
